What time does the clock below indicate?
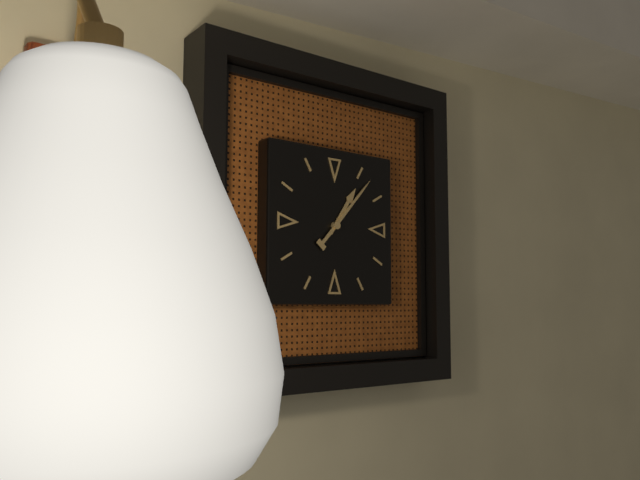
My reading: 1:07
